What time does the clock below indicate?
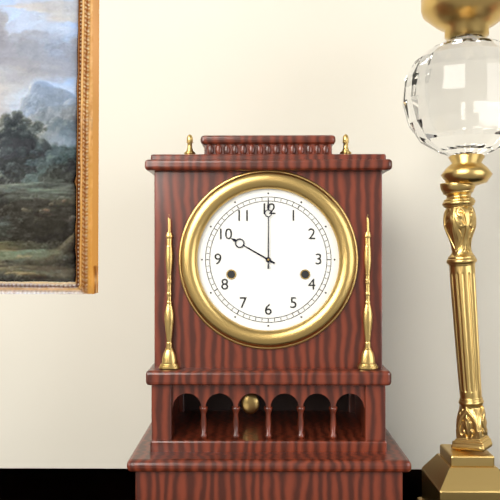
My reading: 10:00
